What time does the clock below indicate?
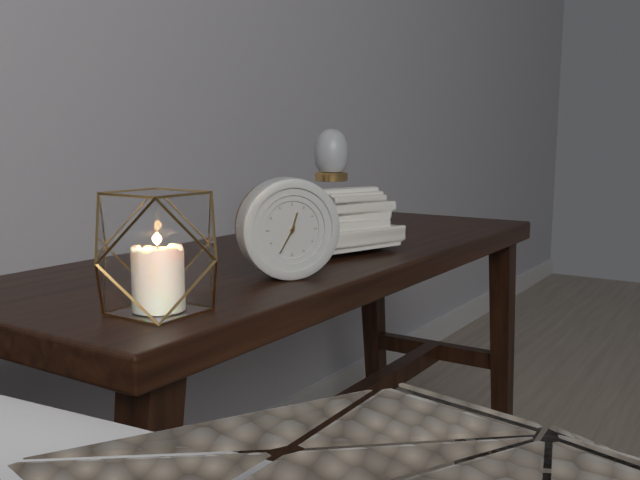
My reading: 12:35
